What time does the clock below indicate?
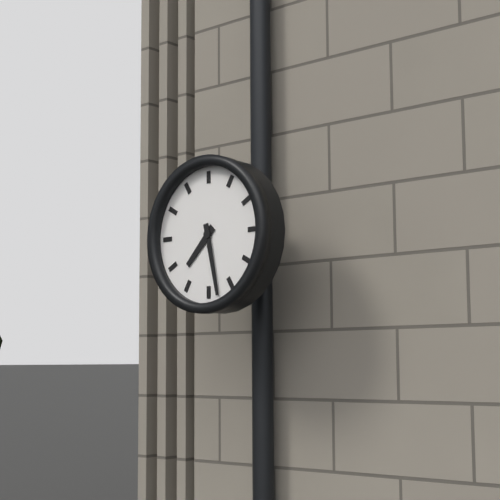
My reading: 7:28
